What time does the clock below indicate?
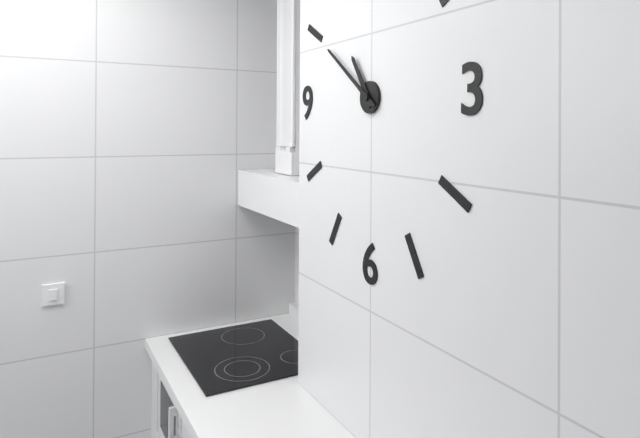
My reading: 10:51
